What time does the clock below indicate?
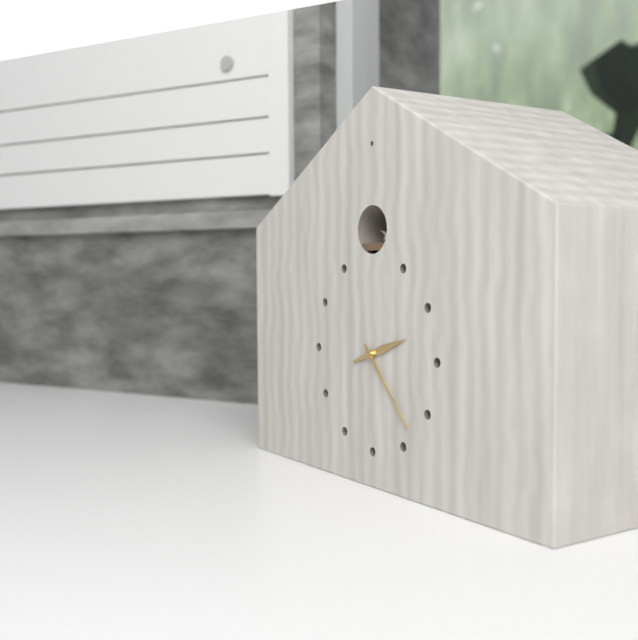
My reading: 2:23
